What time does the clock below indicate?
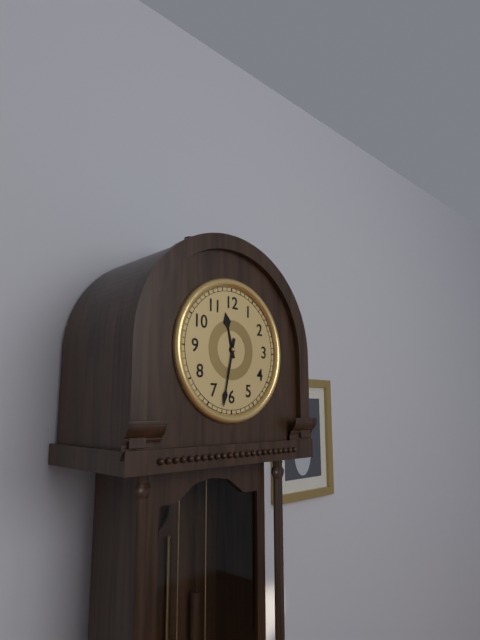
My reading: 11:32
